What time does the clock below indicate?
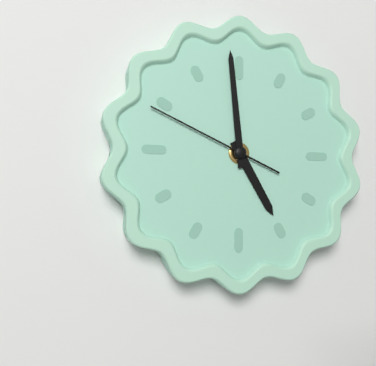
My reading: 4:59:49
